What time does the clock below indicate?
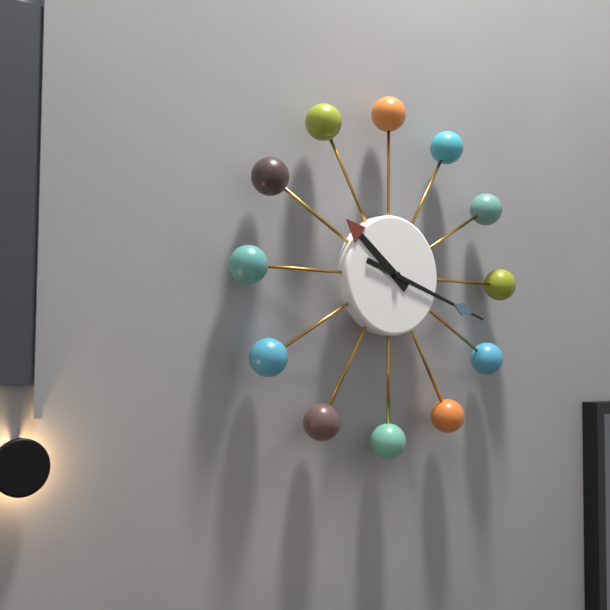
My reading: 10:18
